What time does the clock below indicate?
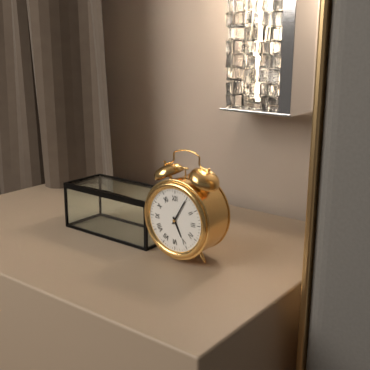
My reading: 5:05
